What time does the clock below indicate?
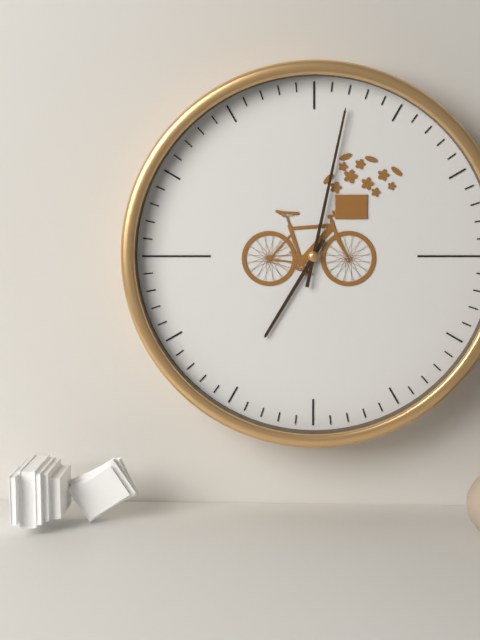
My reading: 7:02
